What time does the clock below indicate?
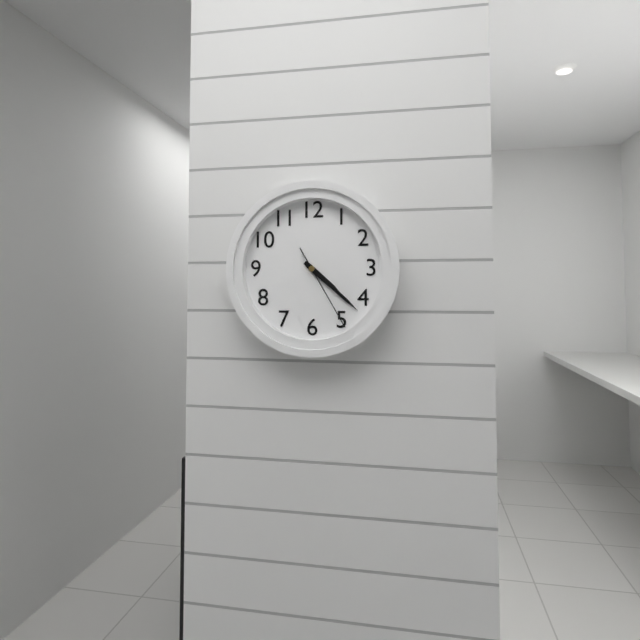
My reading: 4:22:25
